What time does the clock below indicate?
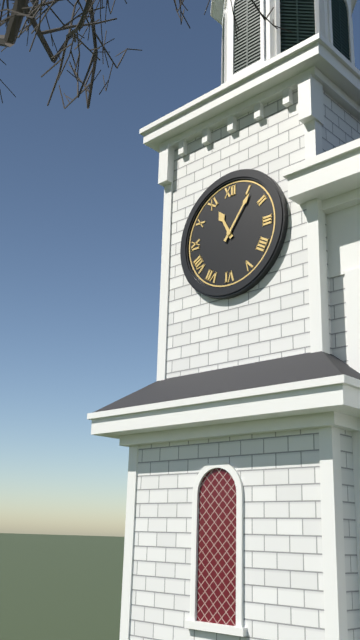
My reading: 11:06
